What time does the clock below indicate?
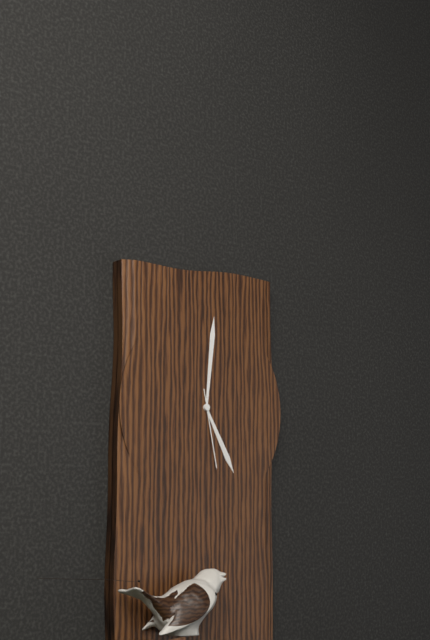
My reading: 5:01:28
